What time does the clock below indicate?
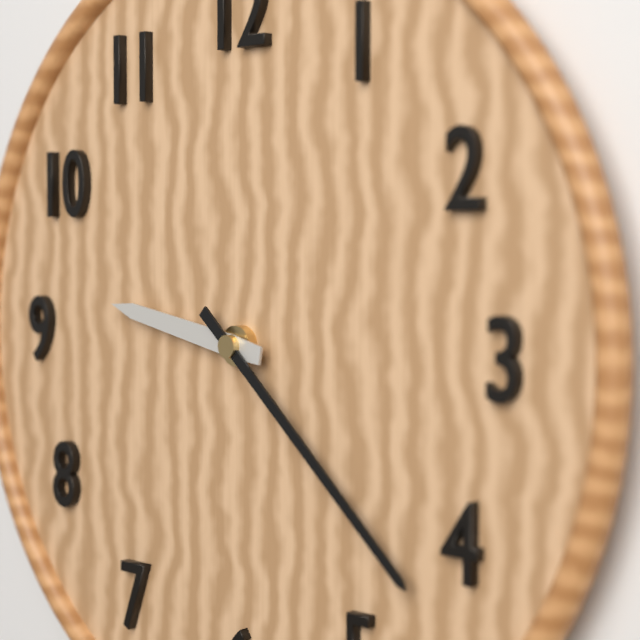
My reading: 9:22
